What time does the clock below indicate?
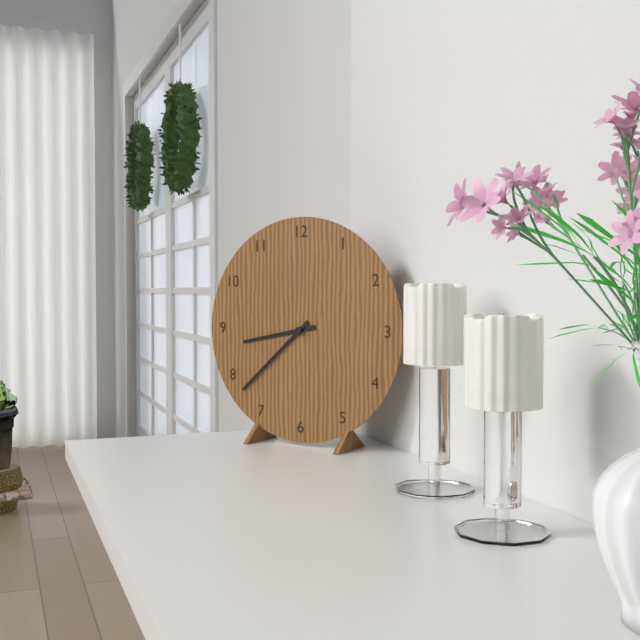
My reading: 8:38
